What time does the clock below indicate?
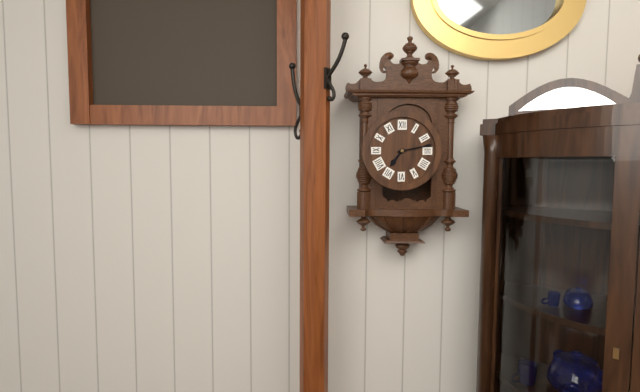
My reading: 7:13
